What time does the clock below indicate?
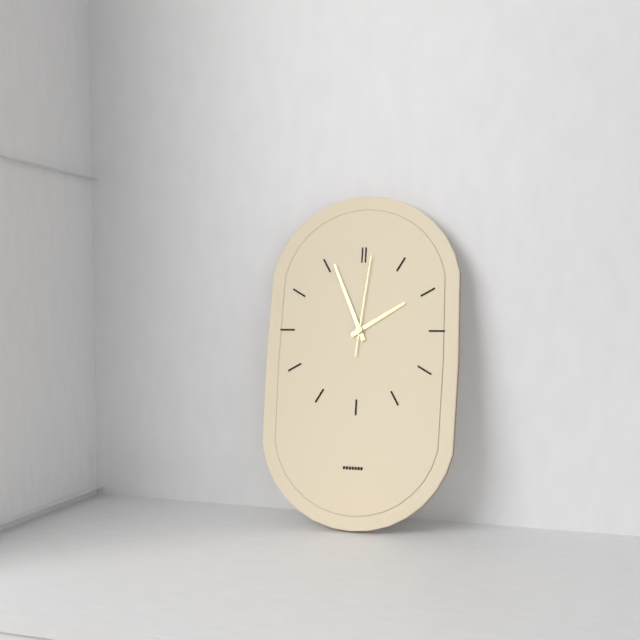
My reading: 1:56:01
